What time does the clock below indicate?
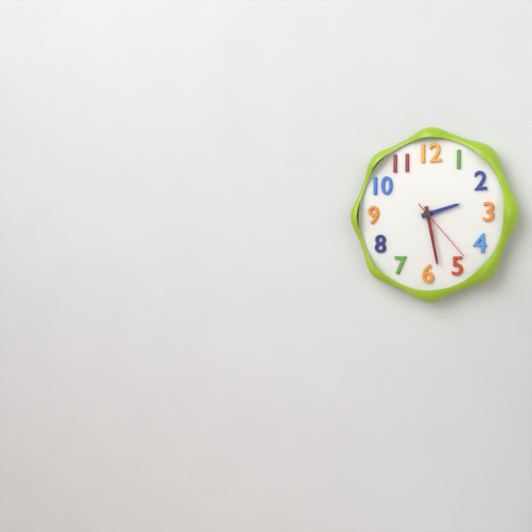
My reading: 2:28:23
